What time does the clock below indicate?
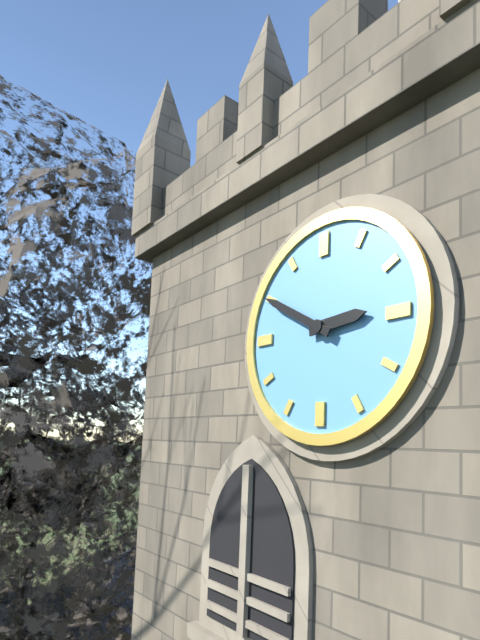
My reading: 2:50
